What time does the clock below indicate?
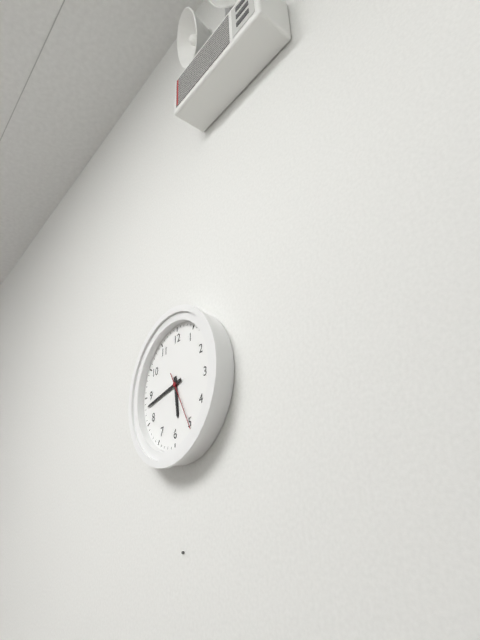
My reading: 5:43:25
